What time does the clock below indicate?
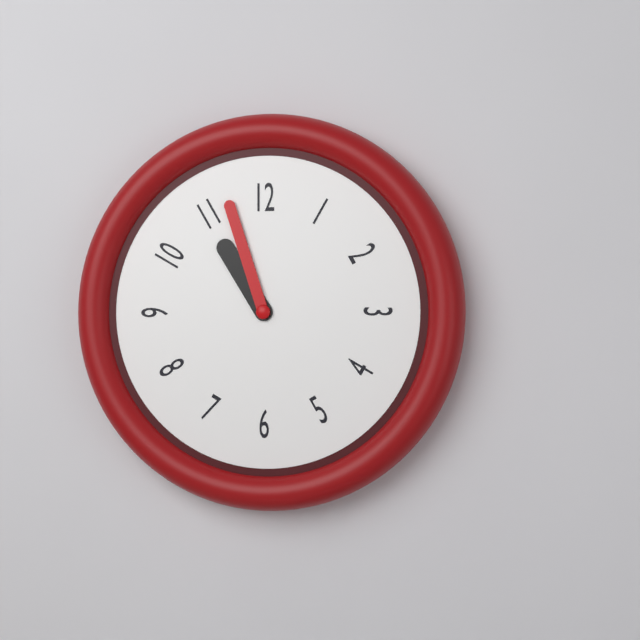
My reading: 10:57
